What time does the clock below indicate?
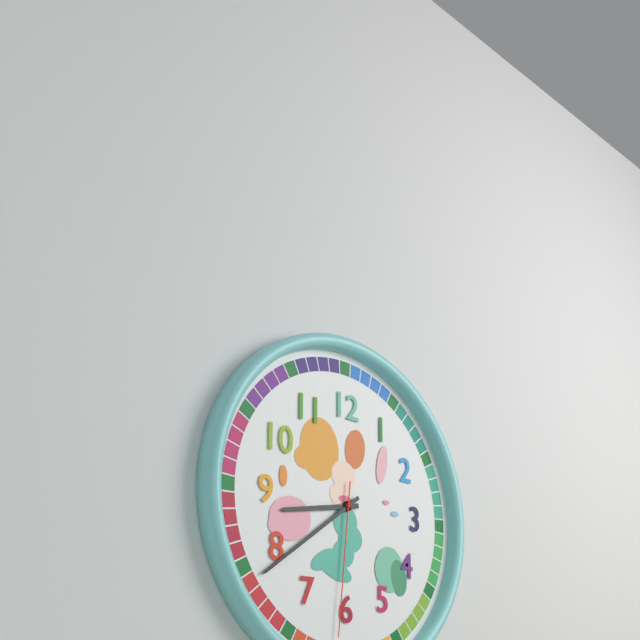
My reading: 8:39:31
